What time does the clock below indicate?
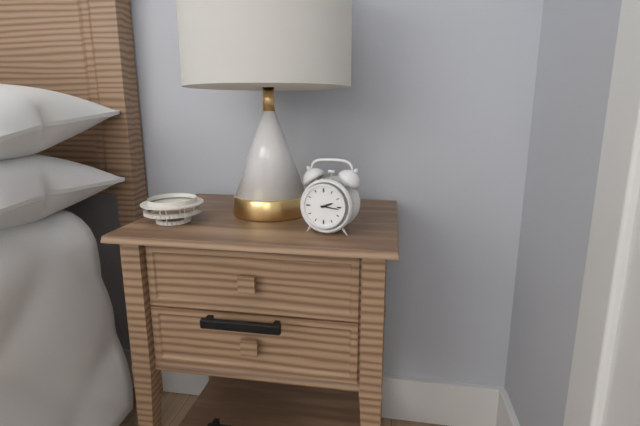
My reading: 2:16
